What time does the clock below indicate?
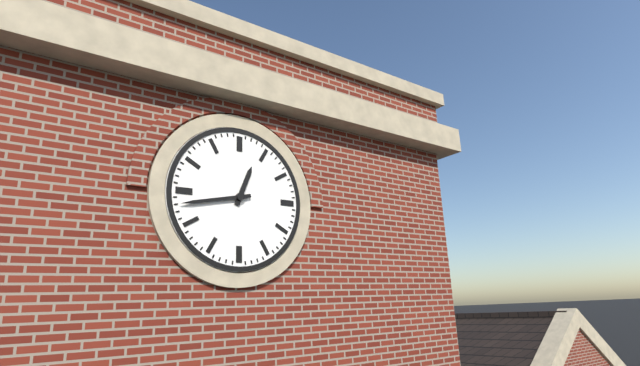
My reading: 12:43
